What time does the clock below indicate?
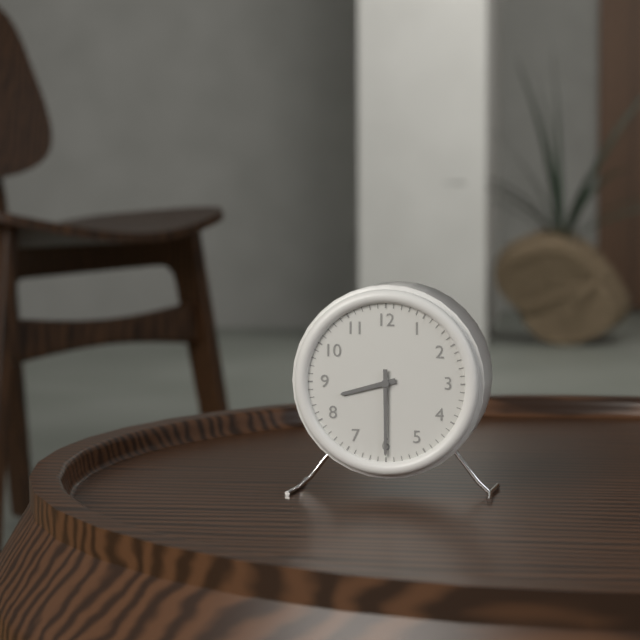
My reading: 8:30
